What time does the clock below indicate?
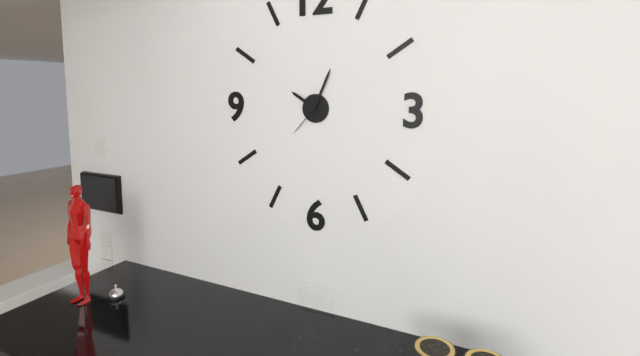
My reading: 10:04
